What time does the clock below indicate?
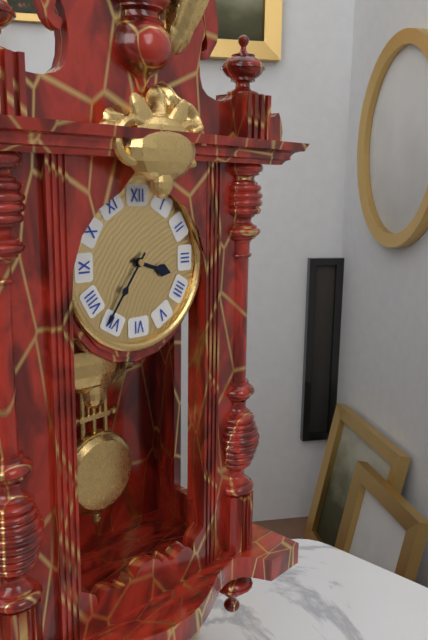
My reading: 3:36
